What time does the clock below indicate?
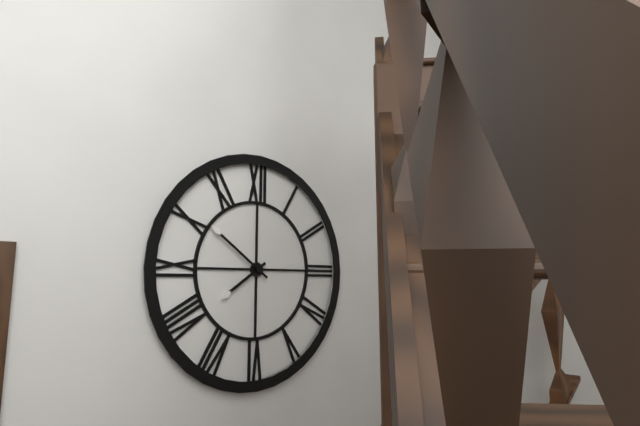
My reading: 7:51
